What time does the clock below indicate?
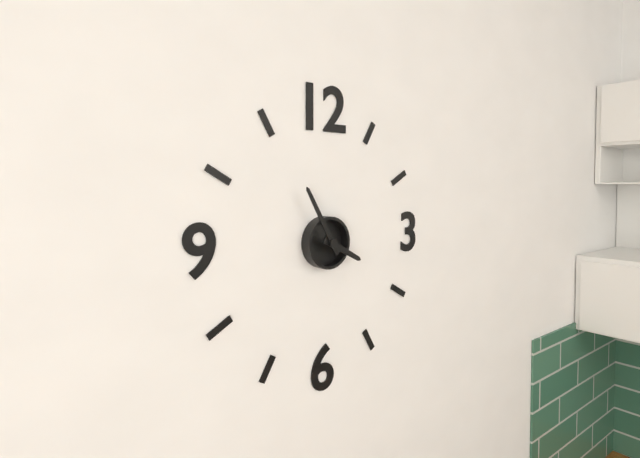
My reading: 3:55
